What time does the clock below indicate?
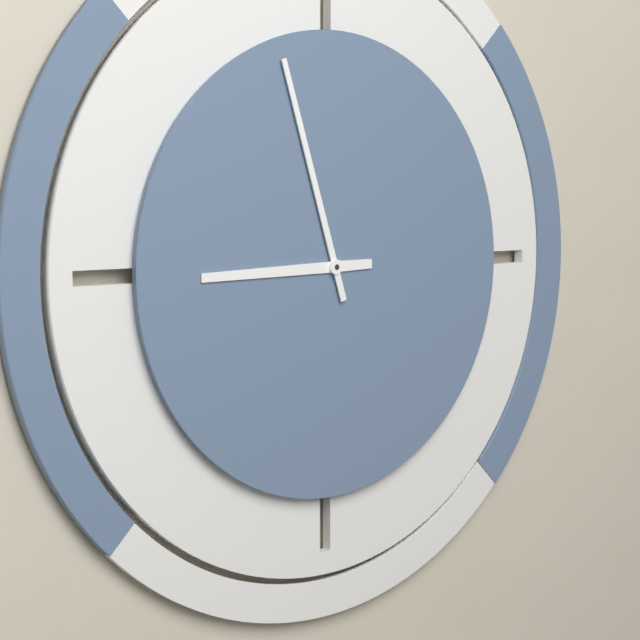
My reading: 8:57
